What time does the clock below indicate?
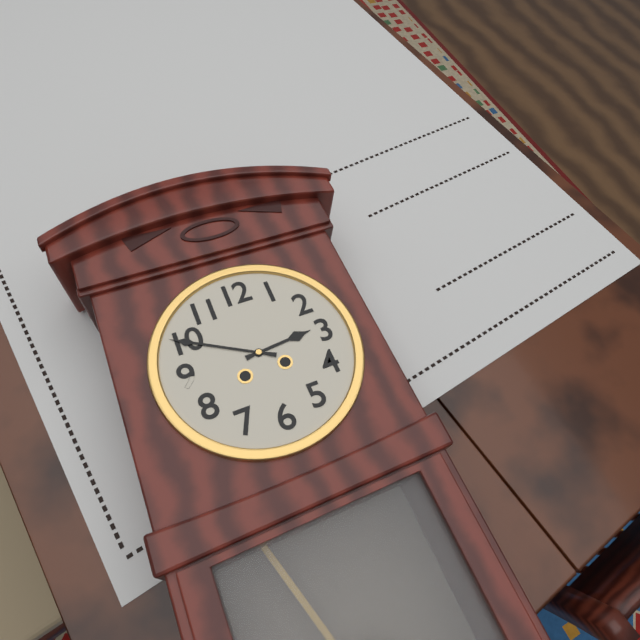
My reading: 2:50
